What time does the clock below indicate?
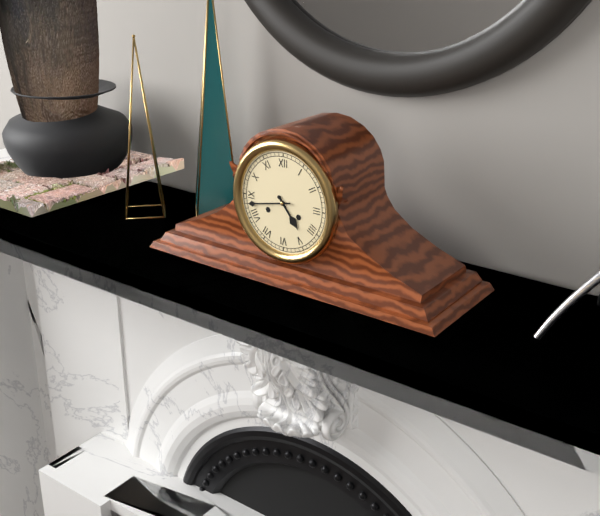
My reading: 4:43
